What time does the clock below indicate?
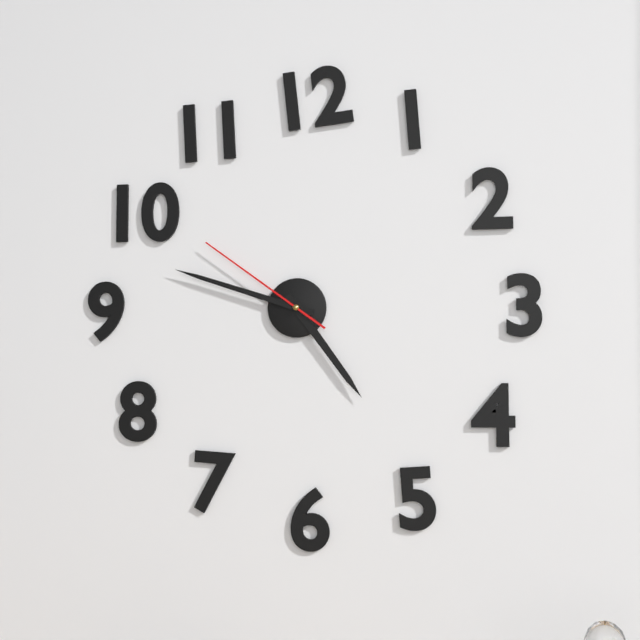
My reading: 4:48:51
